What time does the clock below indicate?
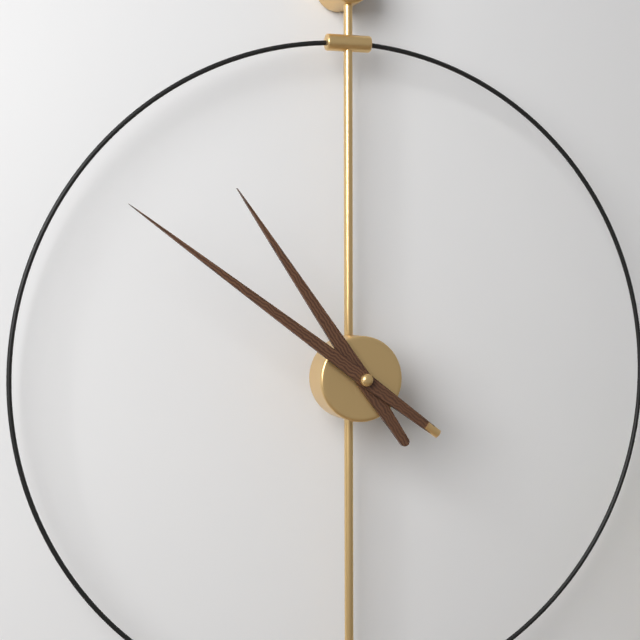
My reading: 10:51
